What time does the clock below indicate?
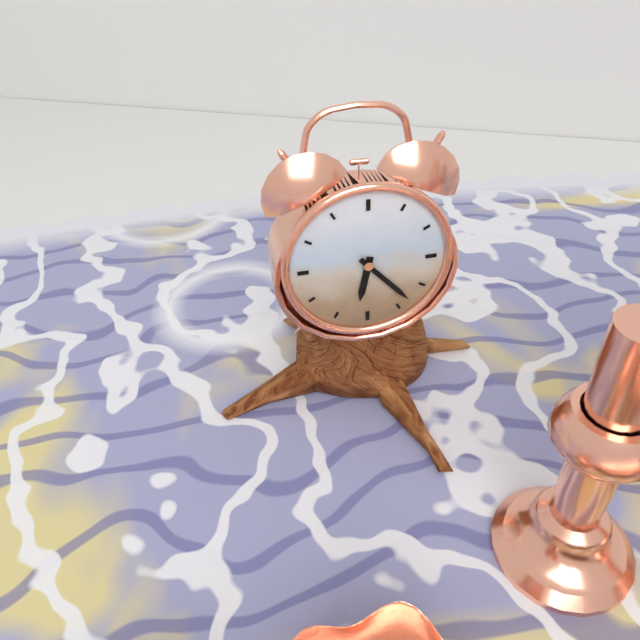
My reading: 6:23
